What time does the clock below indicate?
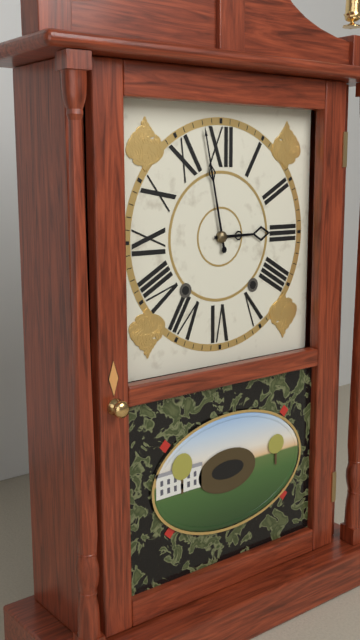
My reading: 2:58
